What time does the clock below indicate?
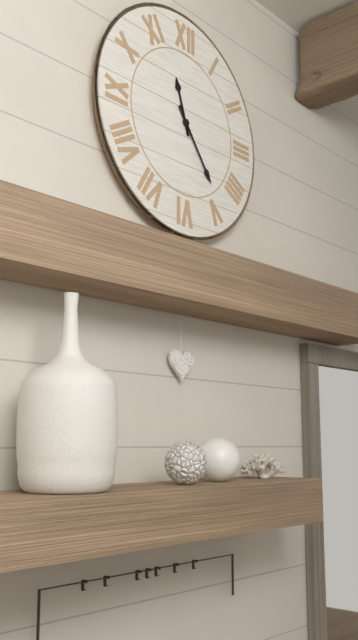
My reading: 11:24
